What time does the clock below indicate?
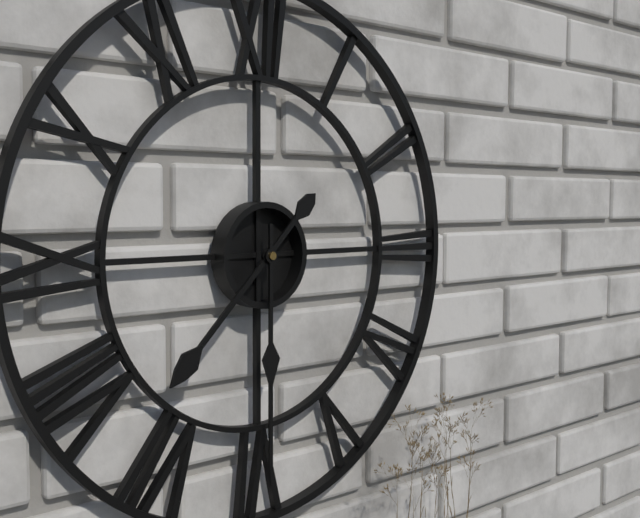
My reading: 7:30
